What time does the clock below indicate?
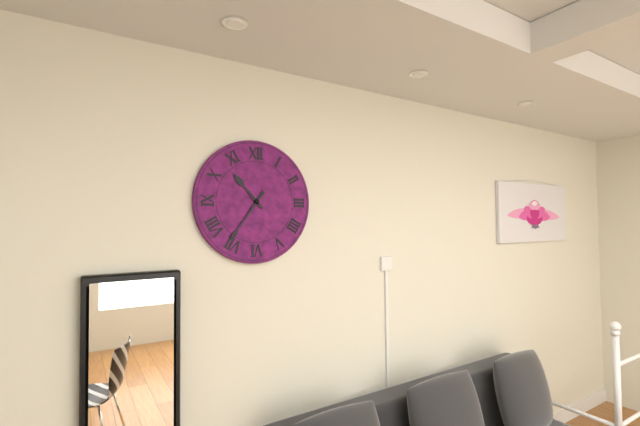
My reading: 10:36
